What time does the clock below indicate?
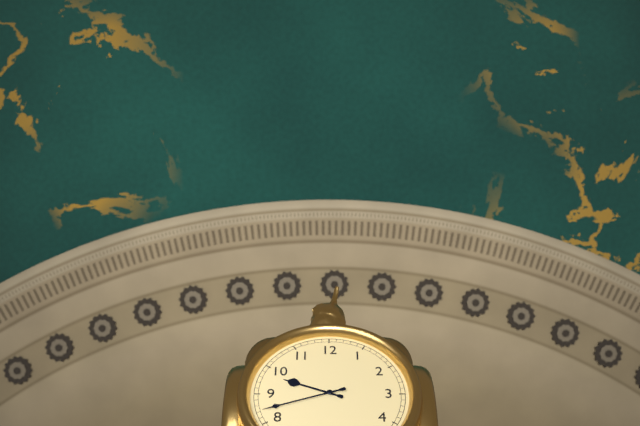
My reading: 9:42
